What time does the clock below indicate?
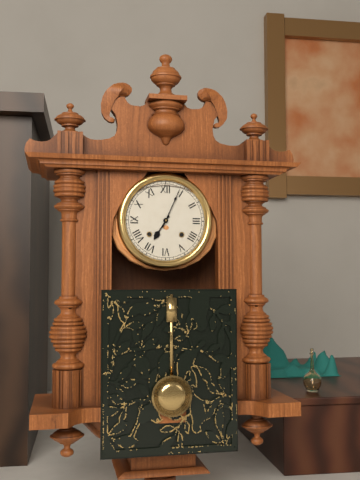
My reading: 7:04
